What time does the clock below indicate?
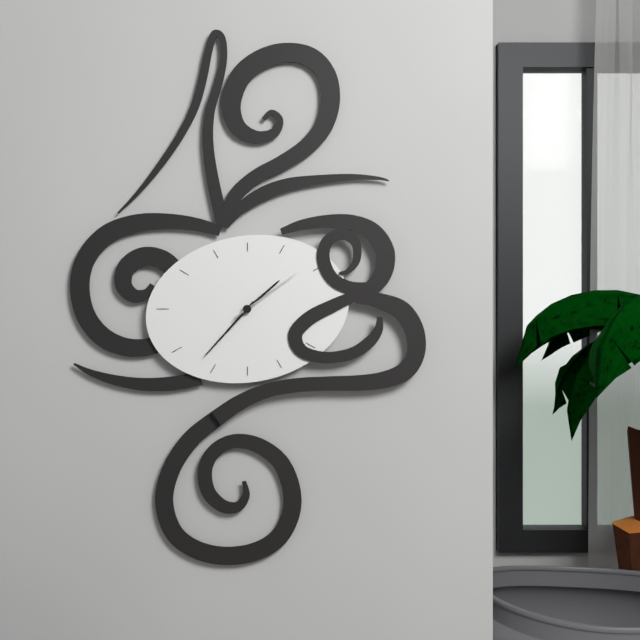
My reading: 1:37:09
